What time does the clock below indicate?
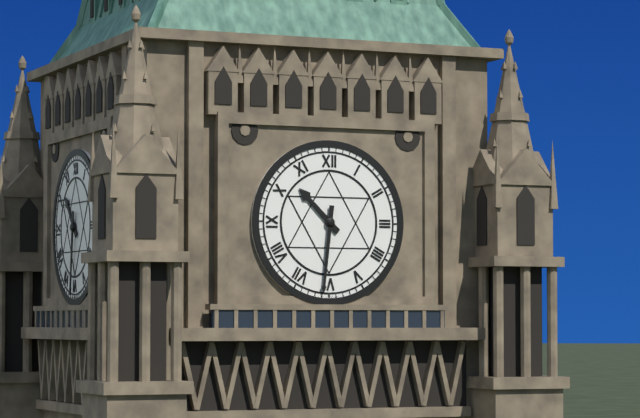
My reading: 10:31
